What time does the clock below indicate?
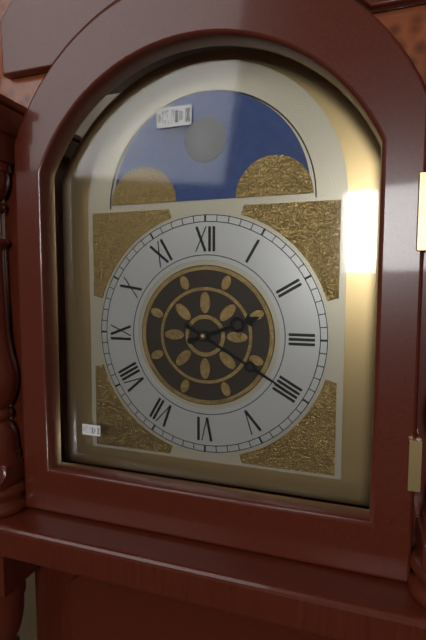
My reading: 2:20
